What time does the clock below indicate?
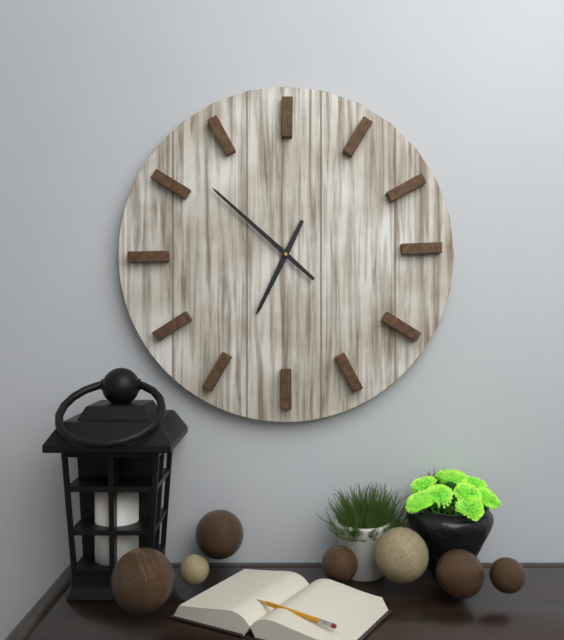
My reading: 6:52
